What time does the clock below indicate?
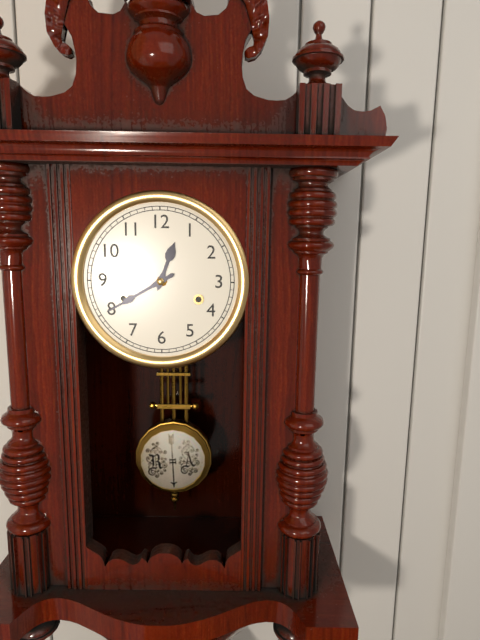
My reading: 12:40
